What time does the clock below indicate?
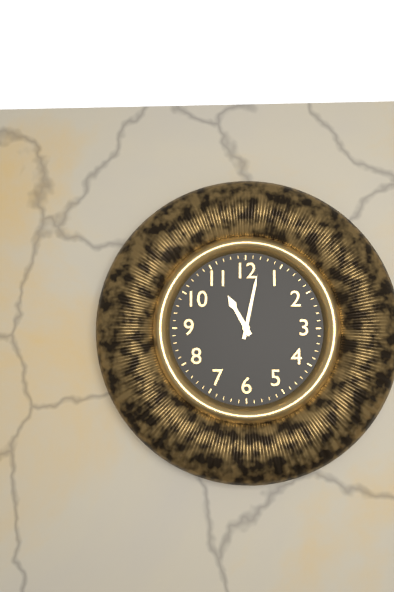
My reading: 11:02
